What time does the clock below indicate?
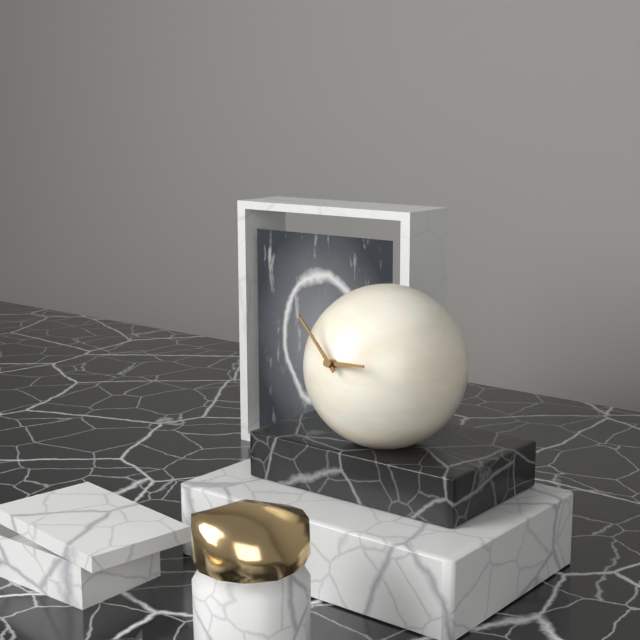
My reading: 2:52
